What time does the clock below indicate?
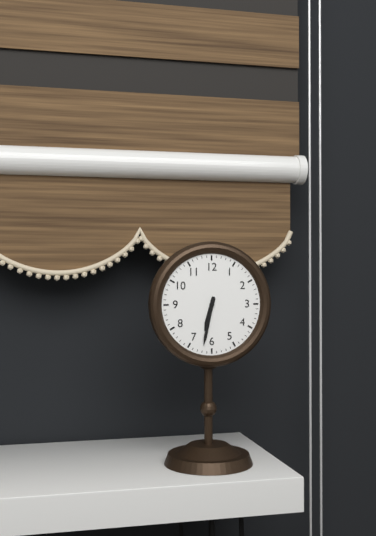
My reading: 6:32
